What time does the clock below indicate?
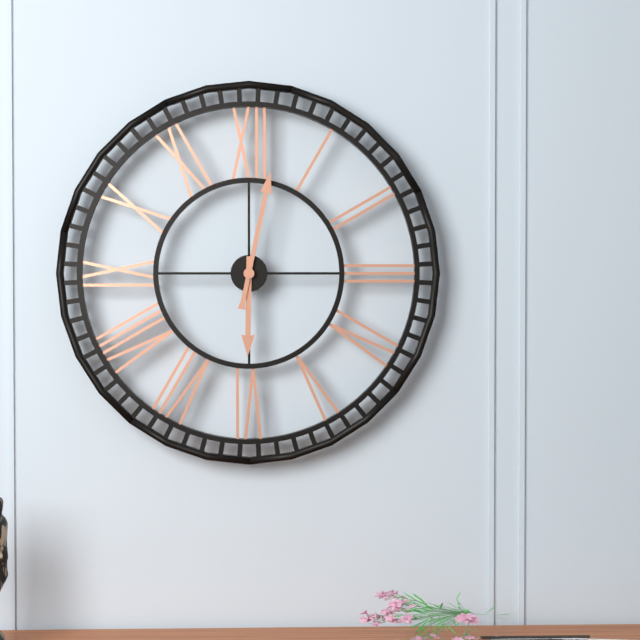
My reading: 6:02
